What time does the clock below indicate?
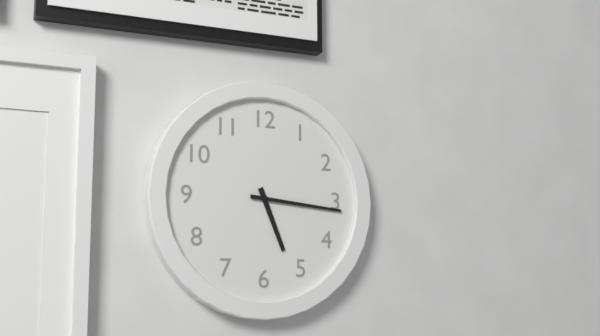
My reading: 5:16
